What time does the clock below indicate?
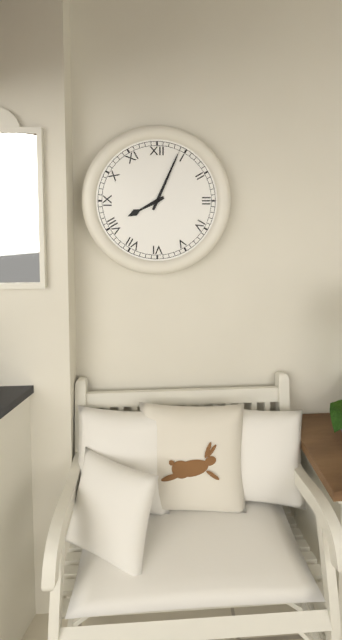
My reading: 8:04
